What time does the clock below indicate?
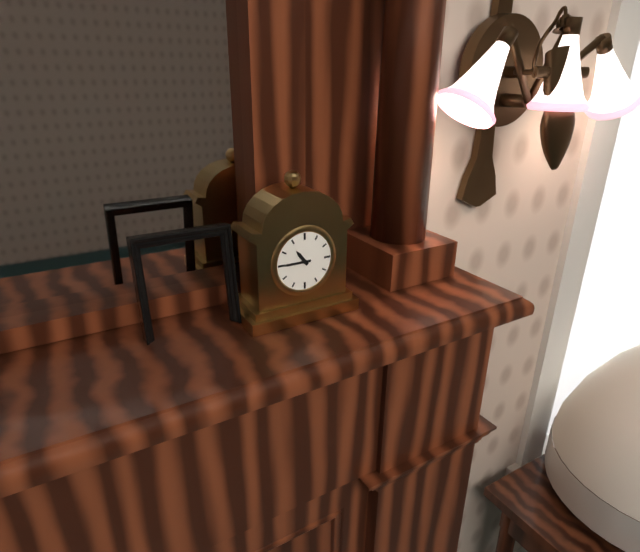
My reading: 10:45
